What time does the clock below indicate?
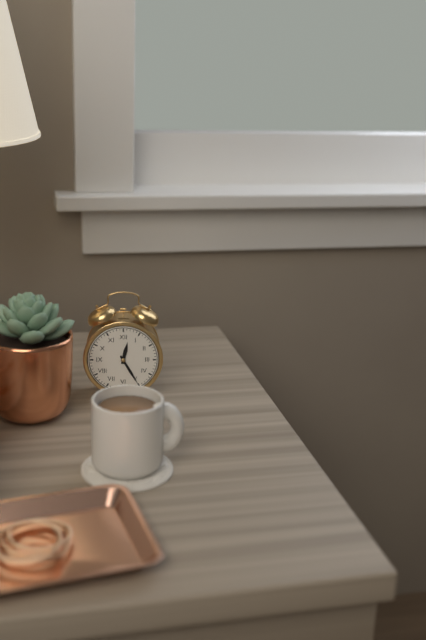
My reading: 12:25
